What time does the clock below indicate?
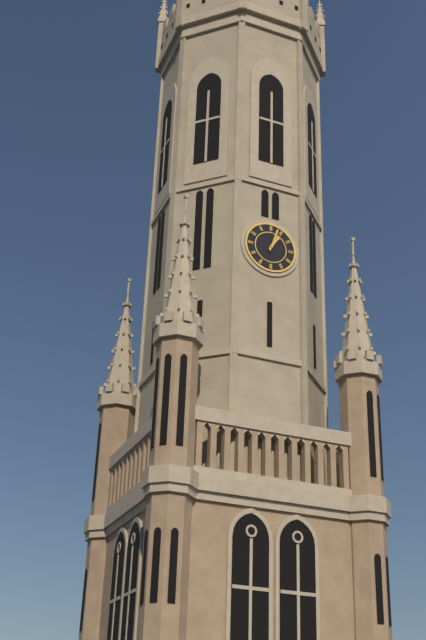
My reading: 1:03
